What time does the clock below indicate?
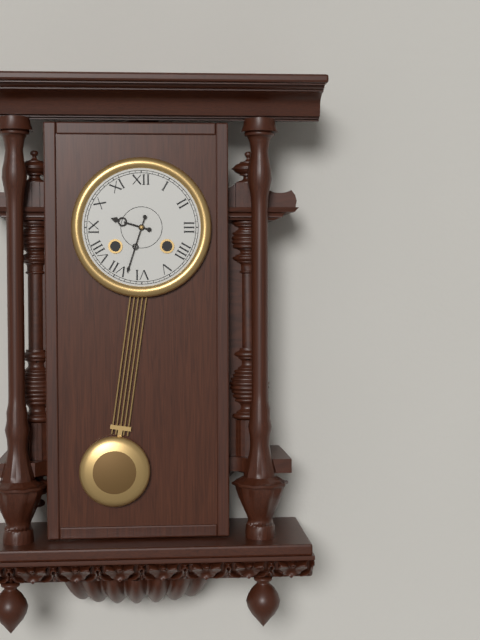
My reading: 9:33
